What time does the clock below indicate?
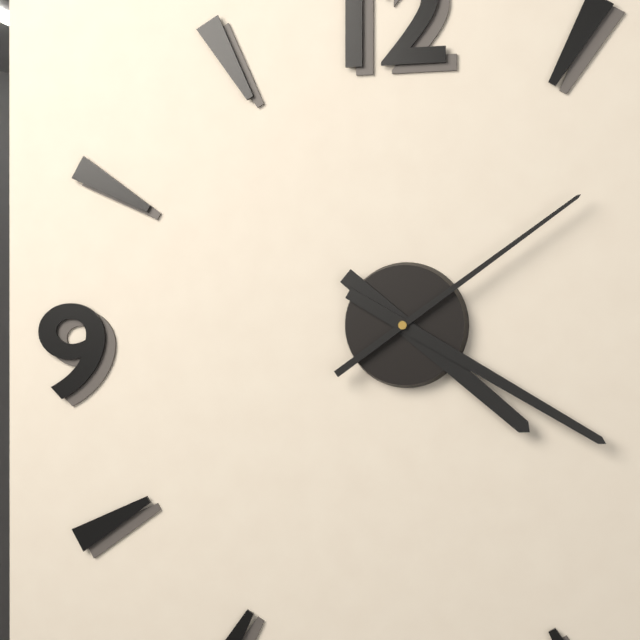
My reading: 4:20:09
